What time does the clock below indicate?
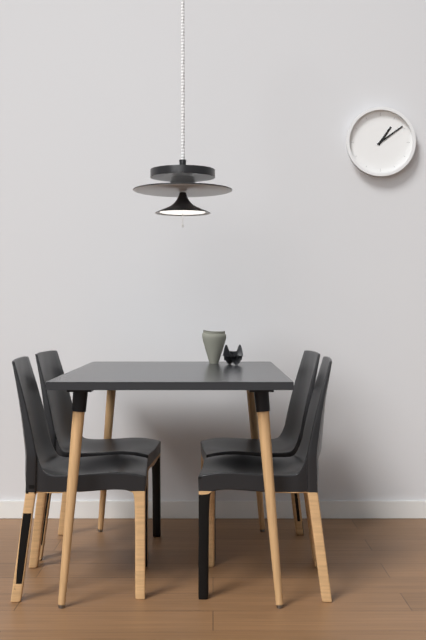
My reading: 1:09
